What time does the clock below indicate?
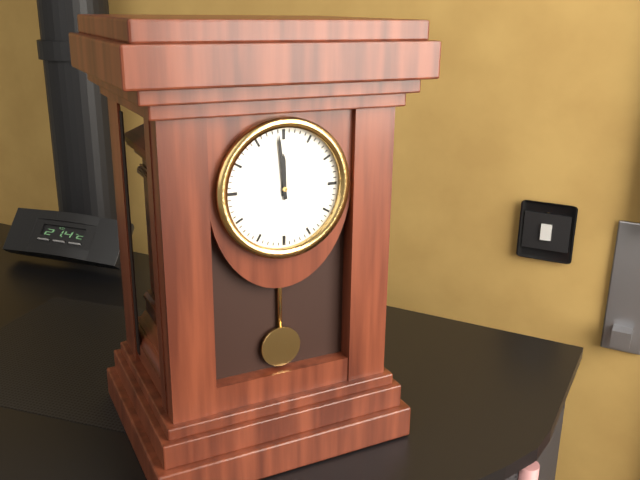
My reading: 11:59
